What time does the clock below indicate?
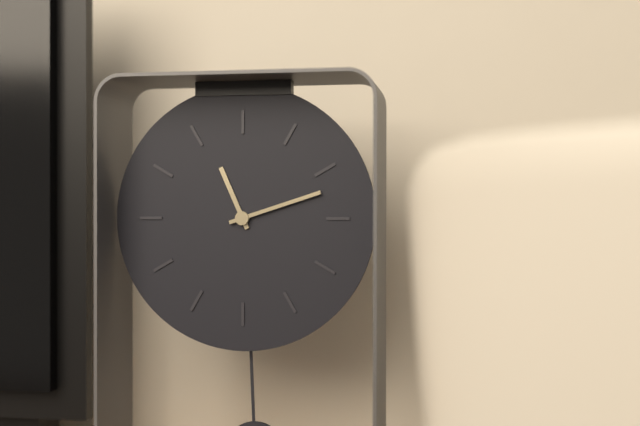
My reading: 11:12
